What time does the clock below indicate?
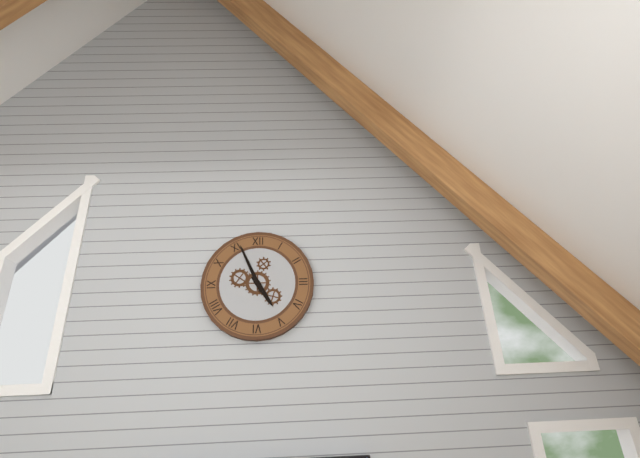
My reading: 4:56
